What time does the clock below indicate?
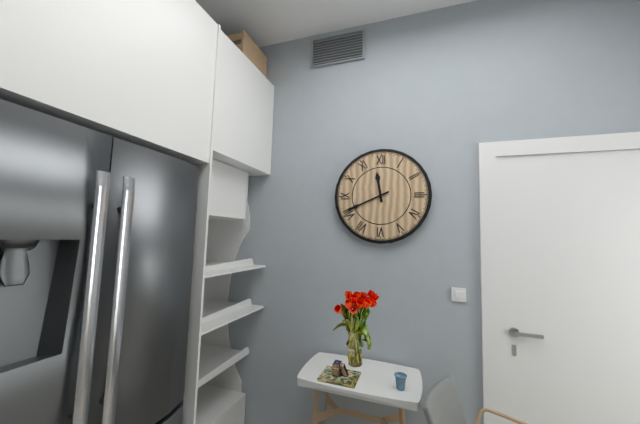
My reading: 11:41
